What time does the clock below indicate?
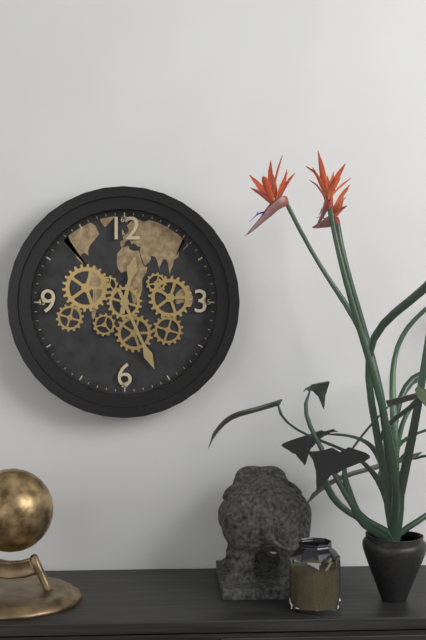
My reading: 12:26
